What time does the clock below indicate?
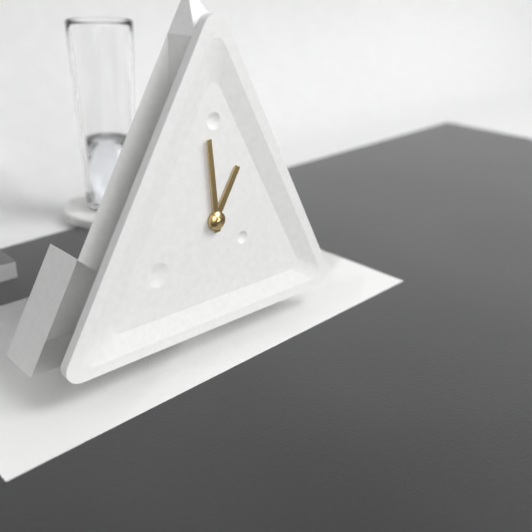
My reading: 12:59
